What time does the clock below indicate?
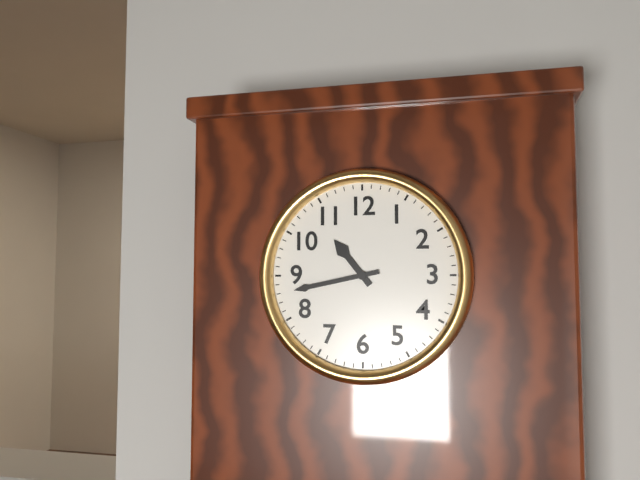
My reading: 10:43
